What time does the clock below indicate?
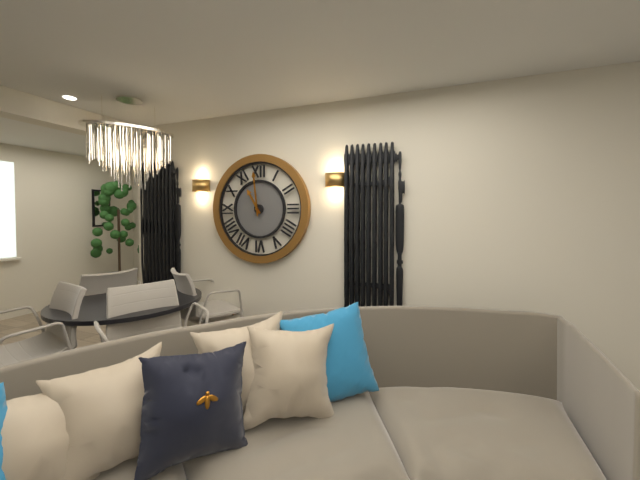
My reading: 10:59
